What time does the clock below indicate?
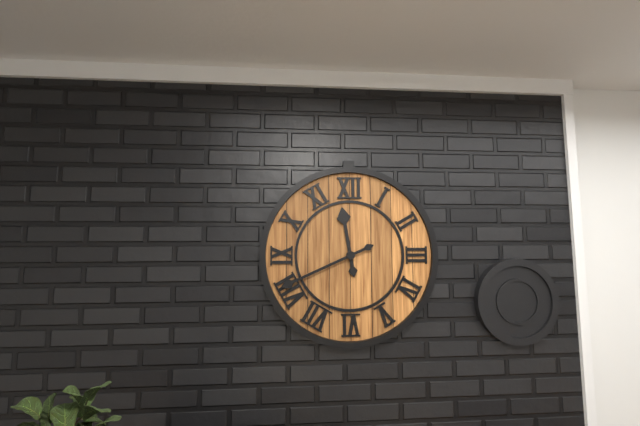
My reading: 11:41
